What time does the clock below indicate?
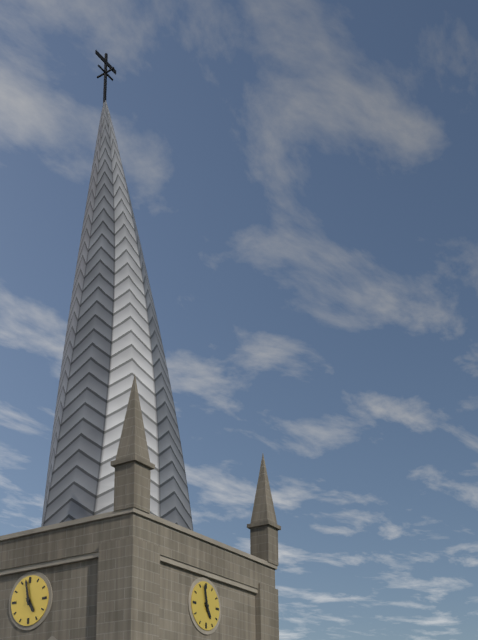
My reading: 4:58
